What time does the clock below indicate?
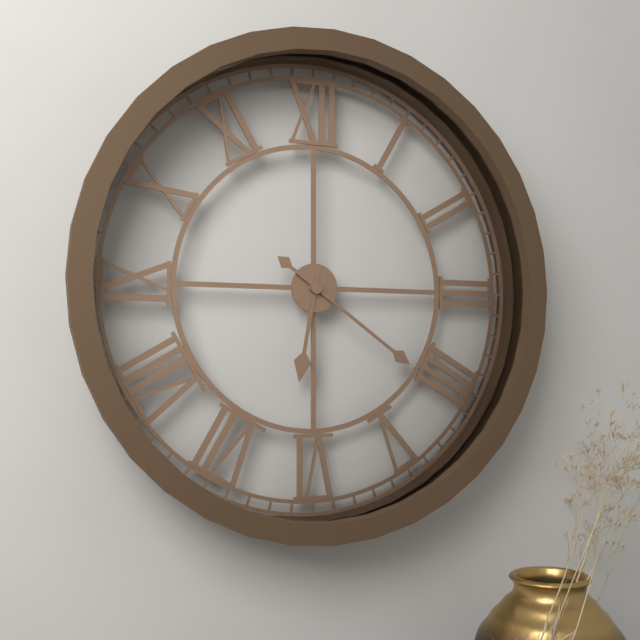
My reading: 6:21
